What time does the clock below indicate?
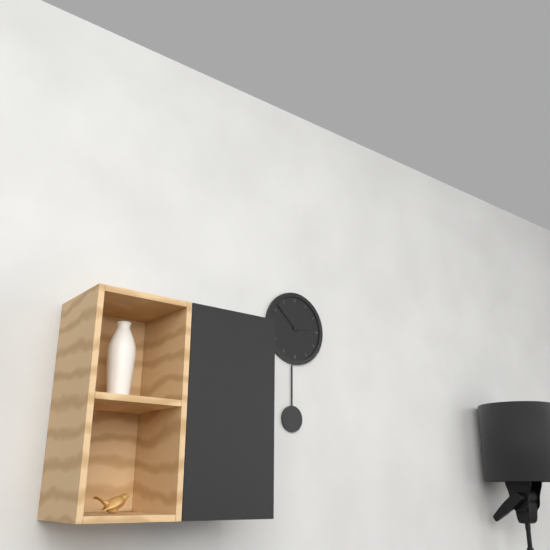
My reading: 2:52
